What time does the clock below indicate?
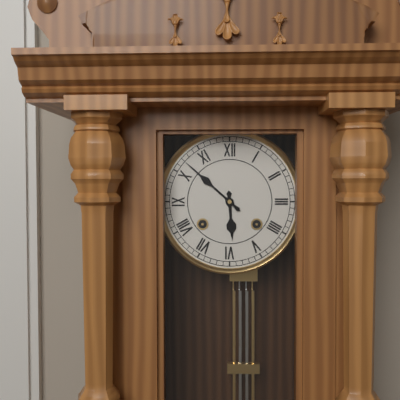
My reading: 5:52
